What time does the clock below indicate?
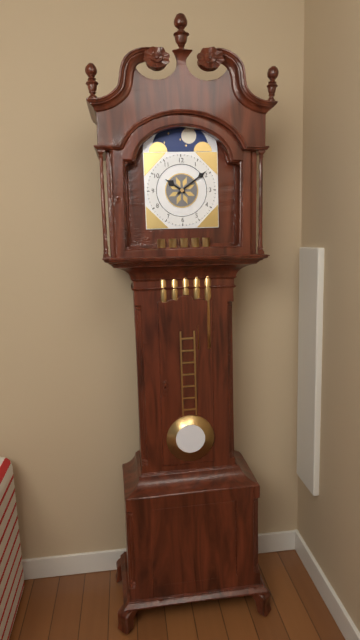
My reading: 10:09
